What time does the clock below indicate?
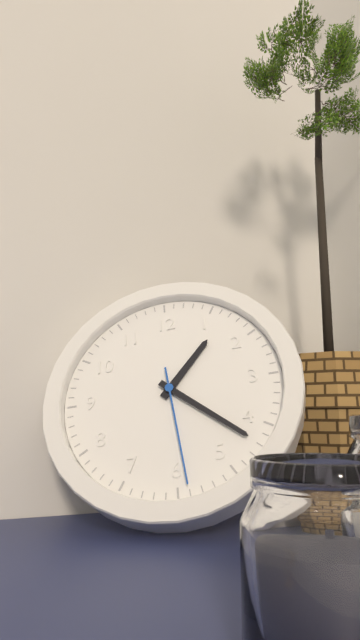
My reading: 1:22:29
